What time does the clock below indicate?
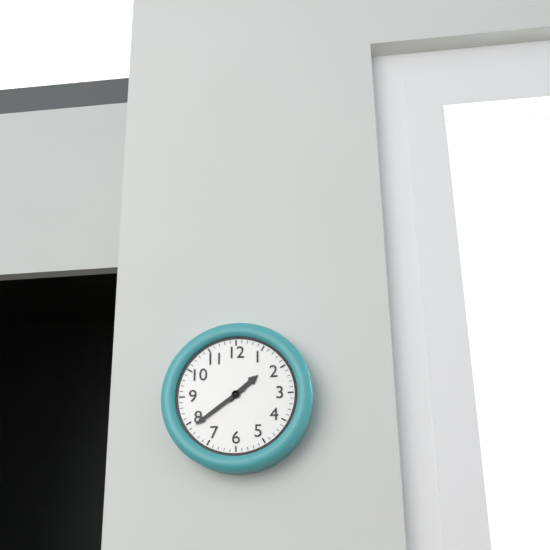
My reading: 1:39
